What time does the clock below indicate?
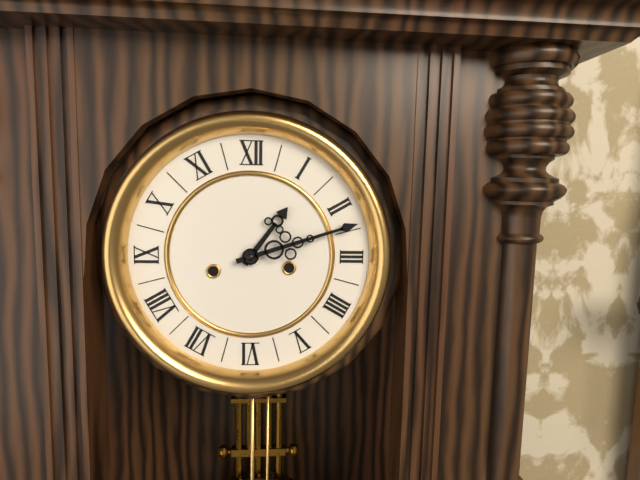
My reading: 1:12
